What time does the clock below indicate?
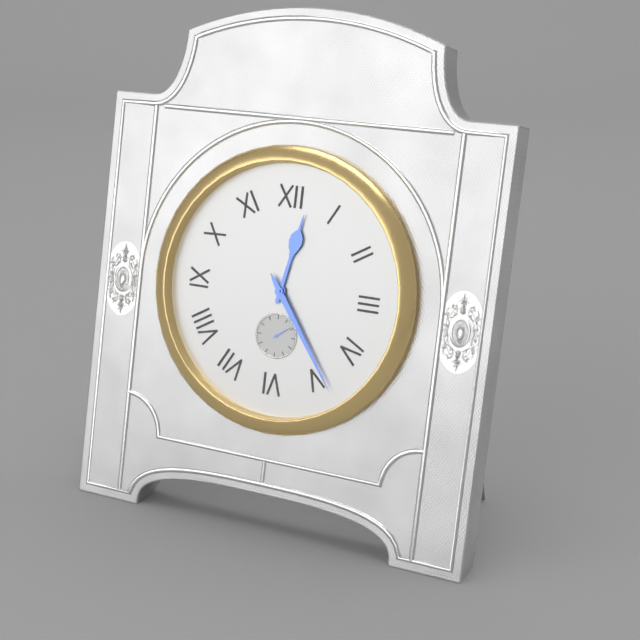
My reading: 12:24
